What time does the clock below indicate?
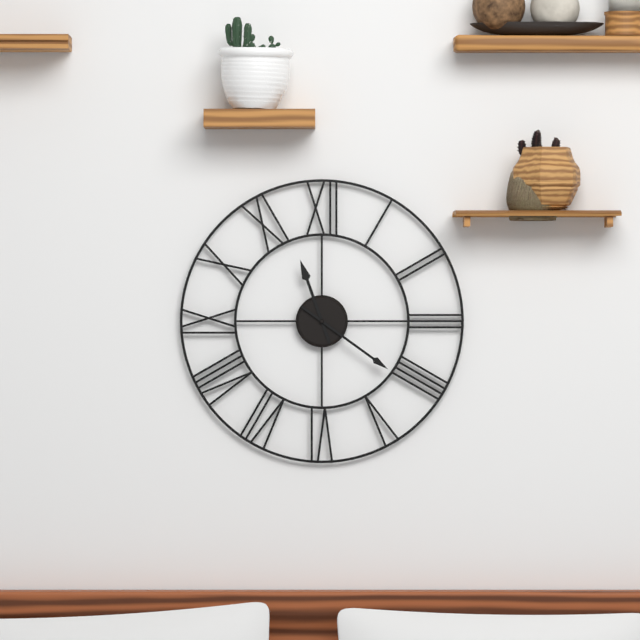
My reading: 11:21
